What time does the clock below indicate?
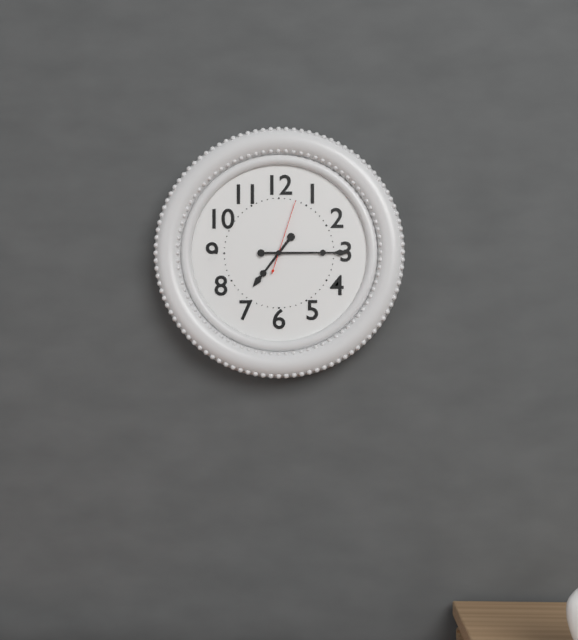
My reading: 7:15:03
